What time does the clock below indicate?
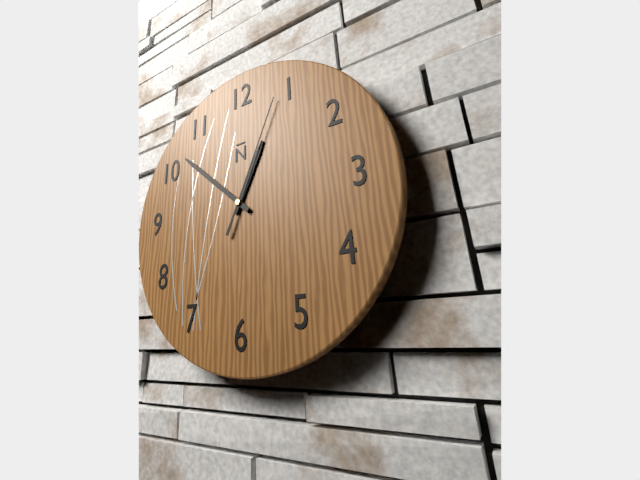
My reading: 12:52:04
